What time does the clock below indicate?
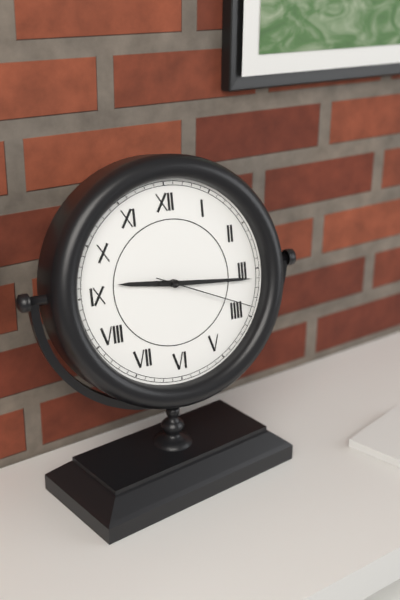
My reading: 9:16:19
